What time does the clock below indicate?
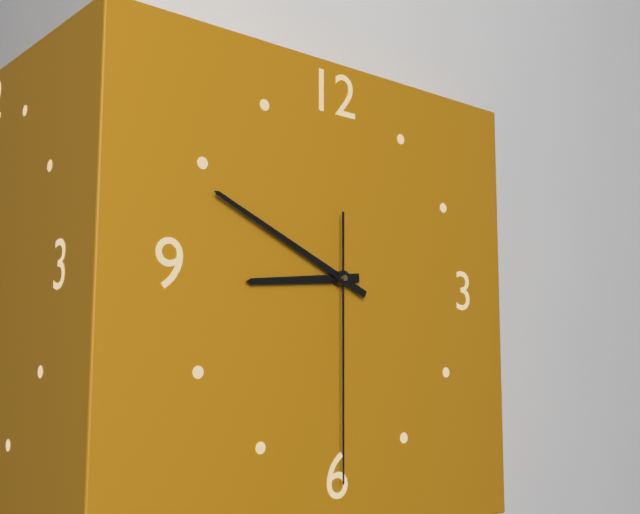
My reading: 8:49:30
